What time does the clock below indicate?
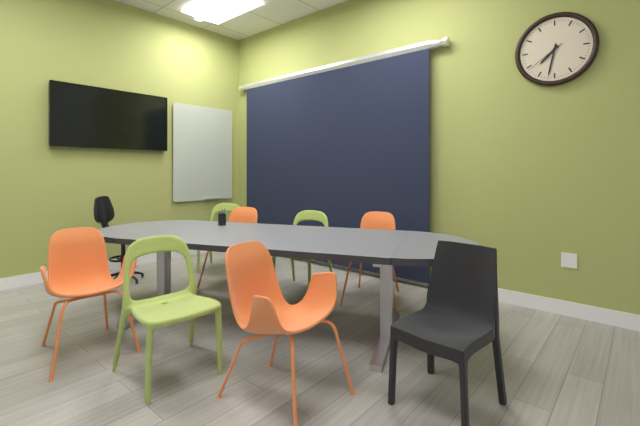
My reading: 7:32
